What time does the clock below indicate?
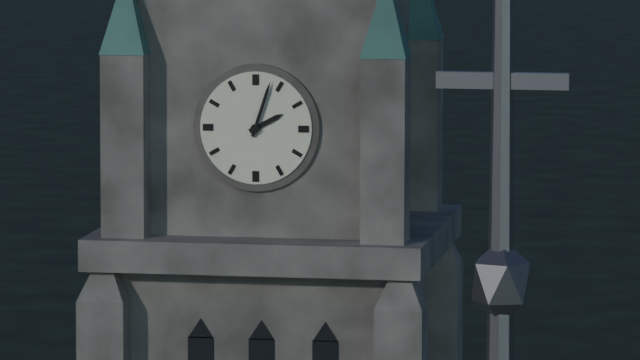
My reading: 2:03
